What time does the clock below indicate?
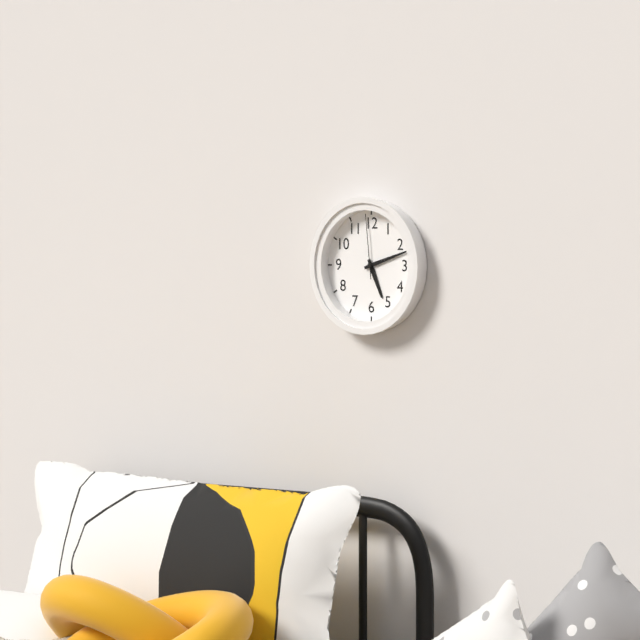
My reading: 5:12:59
